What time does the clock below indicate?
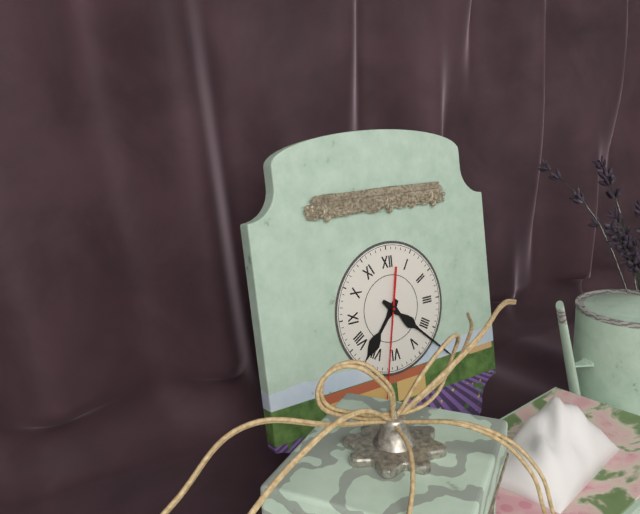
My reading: 7:22:32
